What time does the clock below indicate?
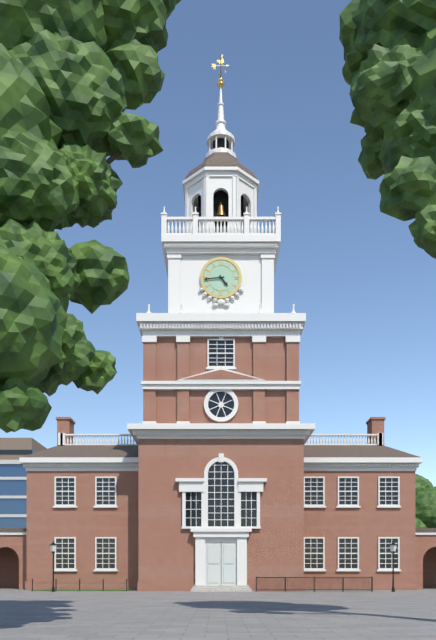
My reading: 4:44
